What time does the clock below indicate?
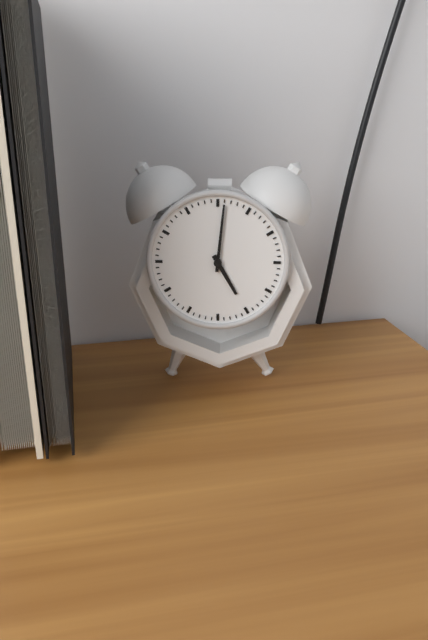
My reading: 5:01
